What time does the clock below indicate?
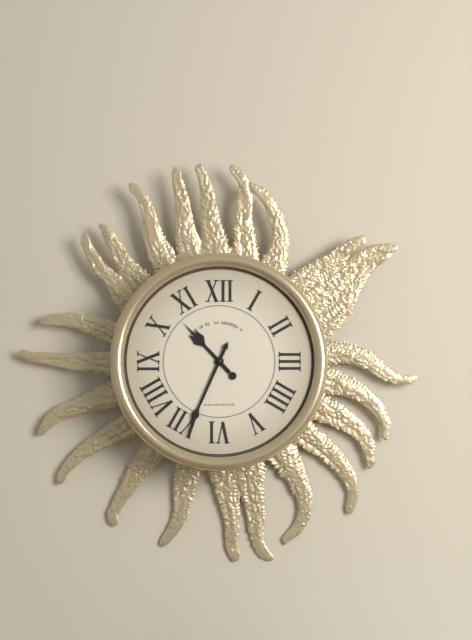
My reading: 10:34
